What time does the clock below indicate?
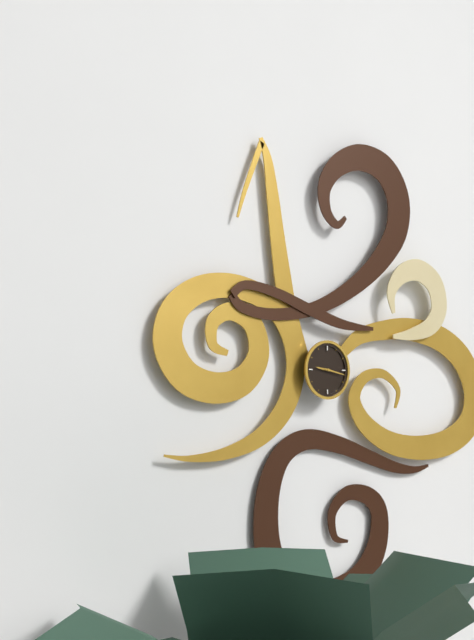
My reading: 9:17
